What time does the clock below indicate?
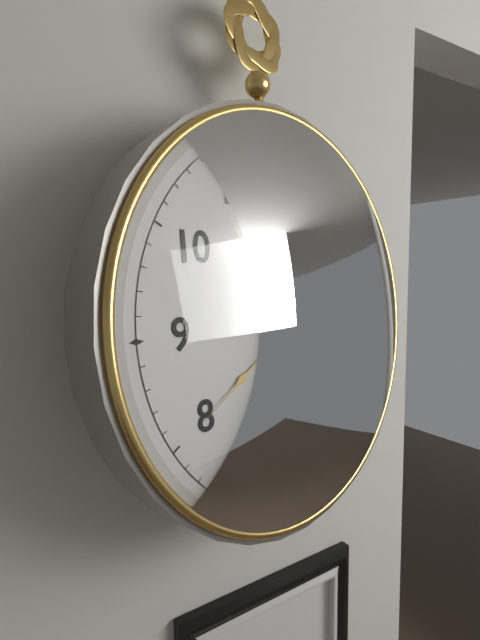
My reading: 10:40
